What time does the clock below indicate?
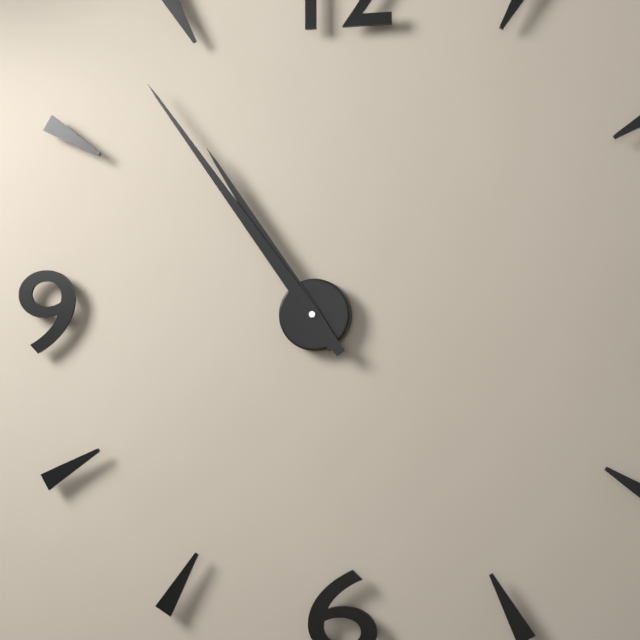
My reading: 10:54
